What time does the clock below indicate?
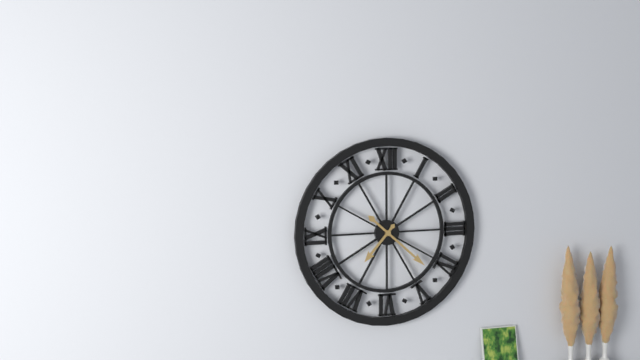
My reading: 7:22
